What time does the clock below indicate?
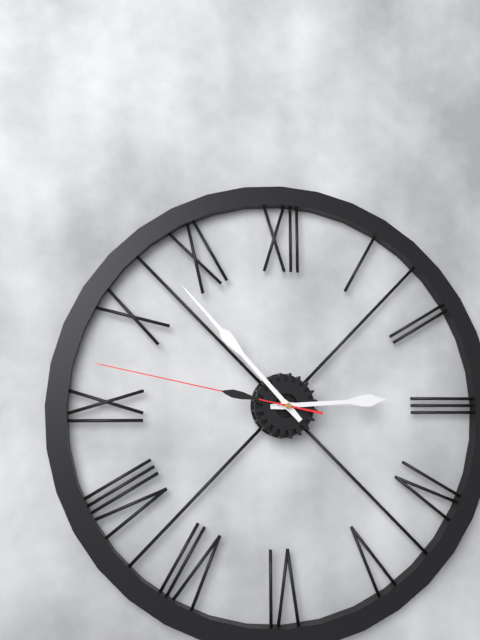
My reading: 2:53:47
